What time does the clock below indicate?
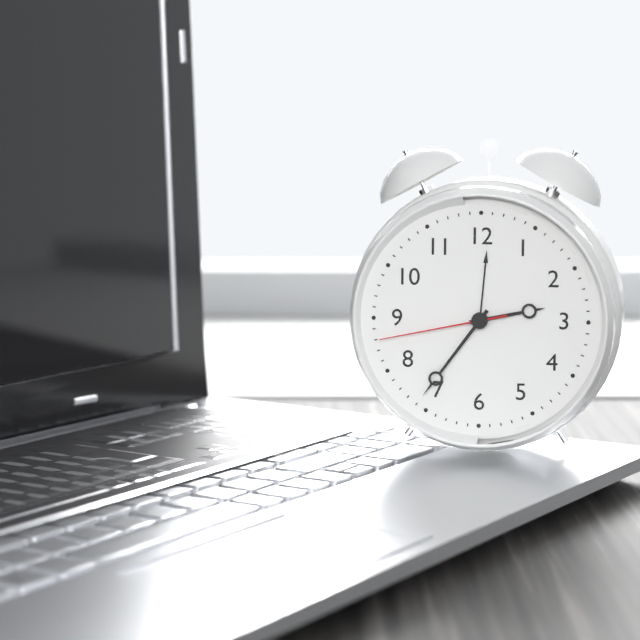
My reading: 2:36:43
